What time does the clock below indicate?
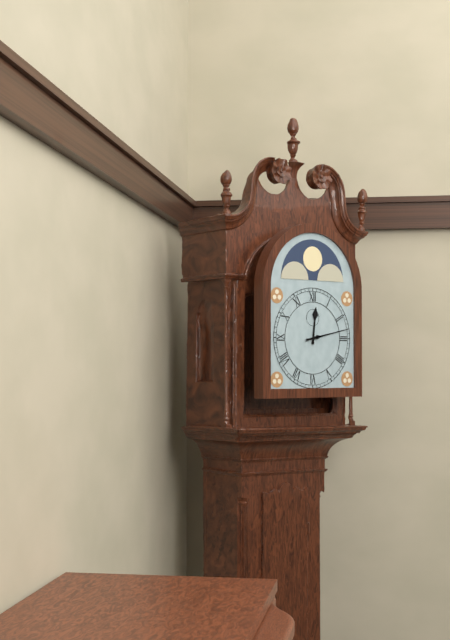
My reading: 12:13
